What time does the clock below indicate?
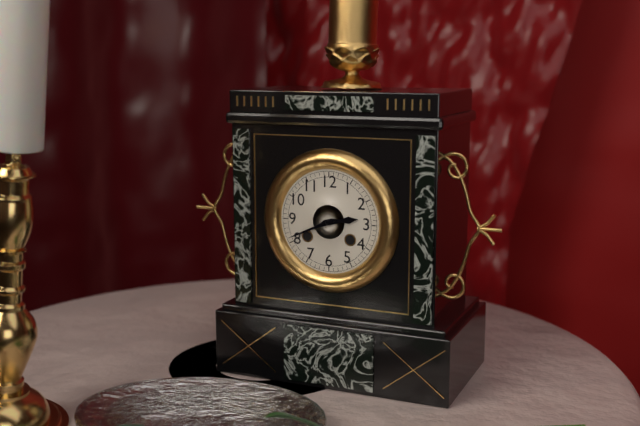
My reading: 2:41
